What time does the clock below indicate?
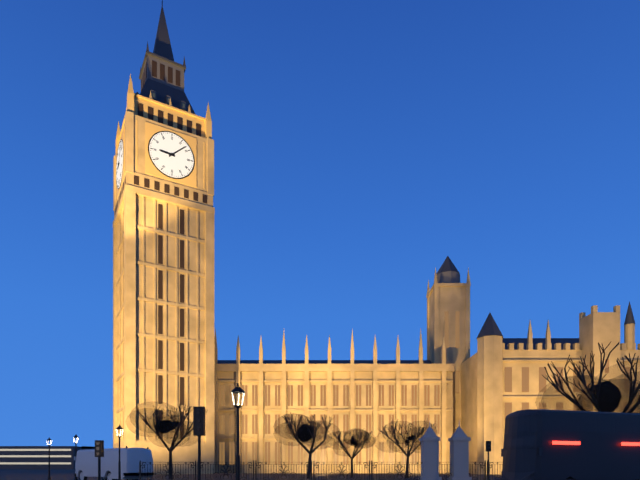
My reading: 9:08
